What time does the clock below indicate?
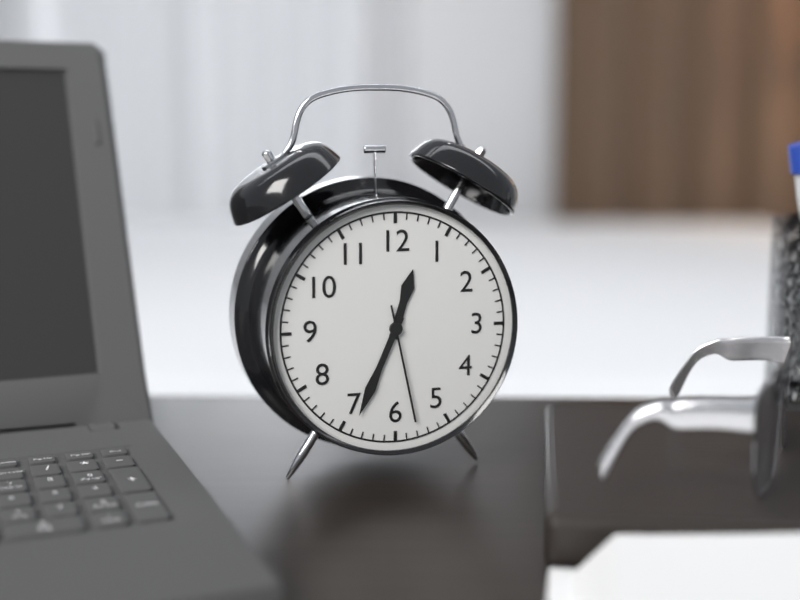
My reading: 12:34:28
